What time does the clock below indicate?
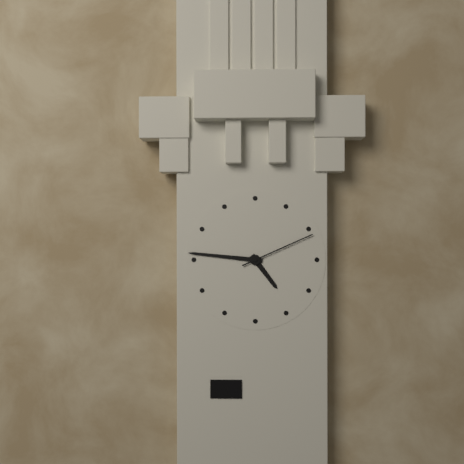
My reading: 4:46:11
